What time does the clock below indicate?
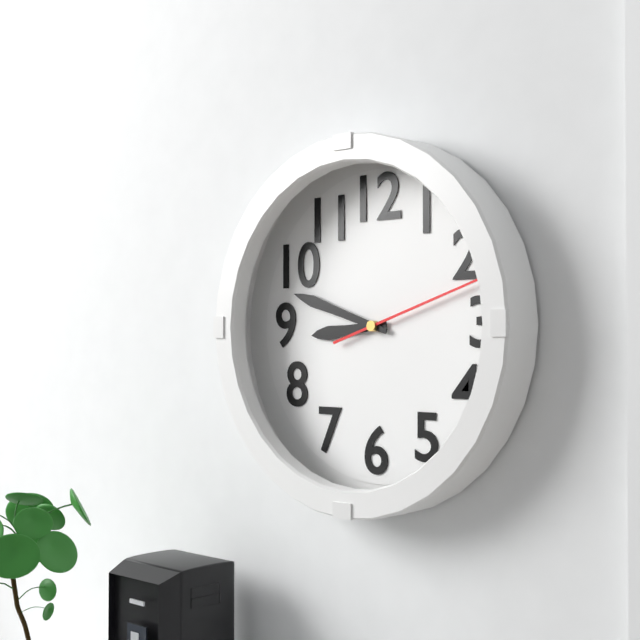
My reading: 8:48:12
